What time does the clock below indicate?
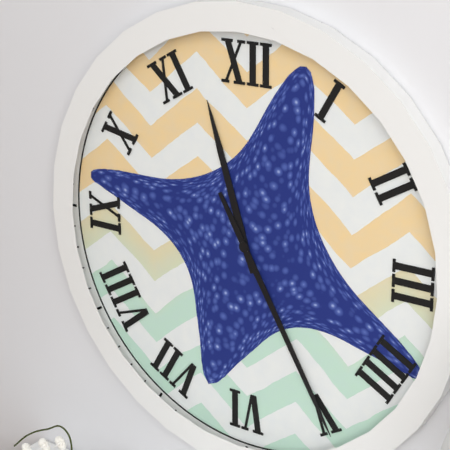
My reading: 11:25
